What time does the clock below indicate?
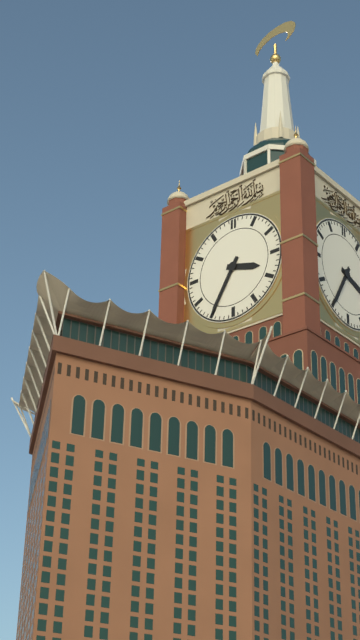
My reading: 3:35
